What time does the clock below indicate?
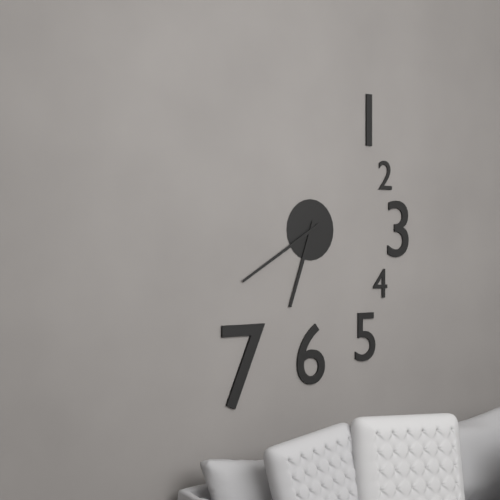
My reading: 6:40
